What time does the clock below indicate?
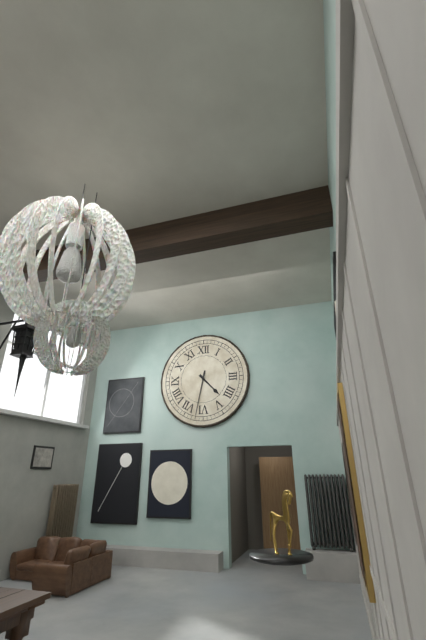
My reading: 4:32
